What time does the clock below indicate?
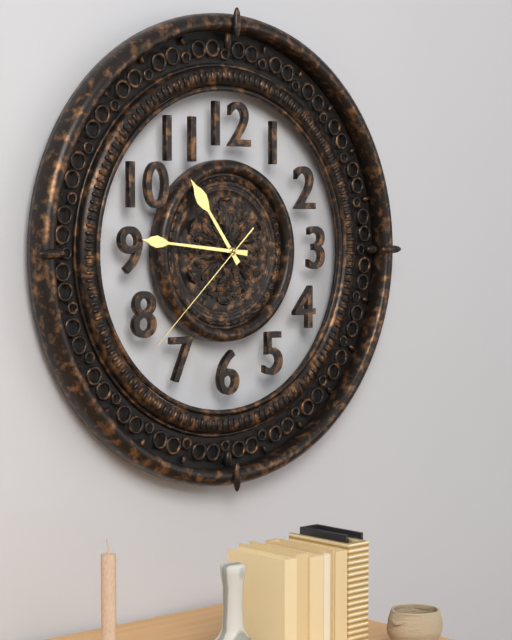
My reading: 10:46:38
